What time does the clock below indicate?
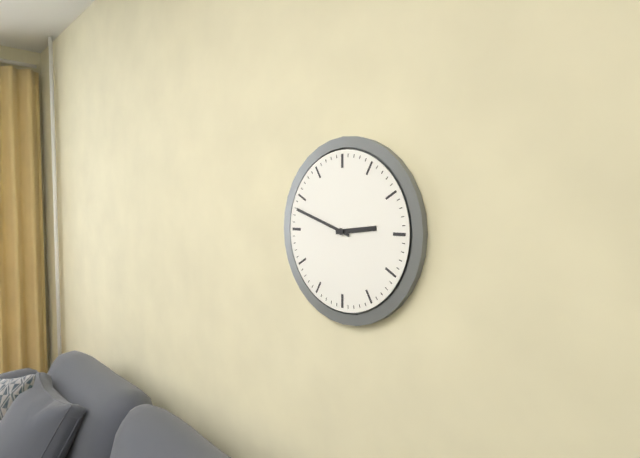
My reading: 2:48
